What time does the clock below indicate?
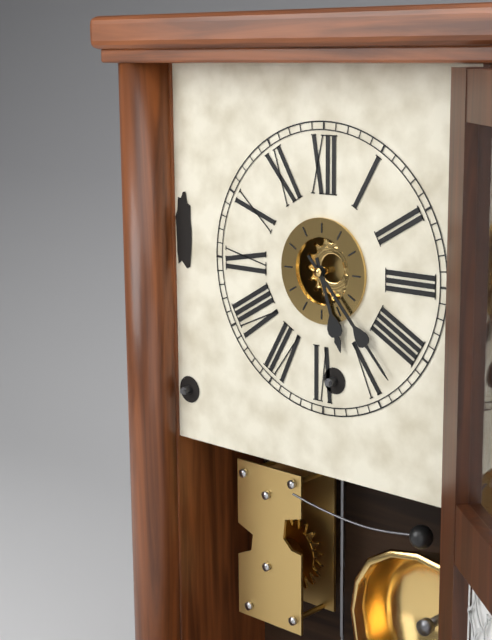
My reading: 5:23
